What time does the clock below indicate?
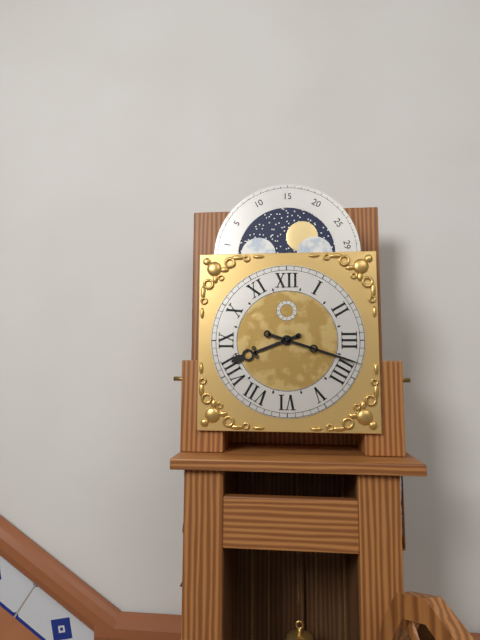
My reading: 8:18
